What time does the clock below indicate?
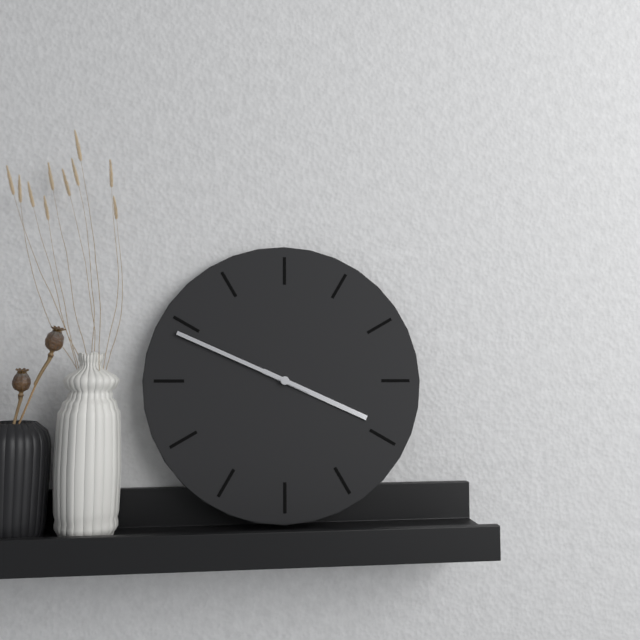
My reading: 3:49
